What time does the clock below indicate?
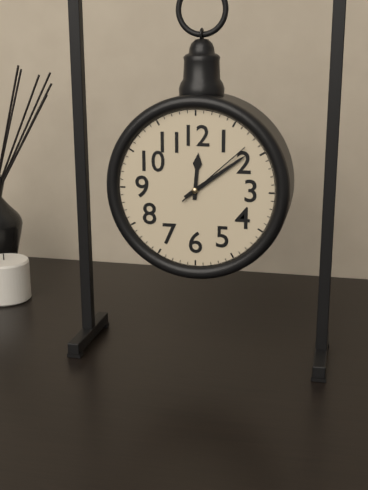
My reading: 12:09:08
